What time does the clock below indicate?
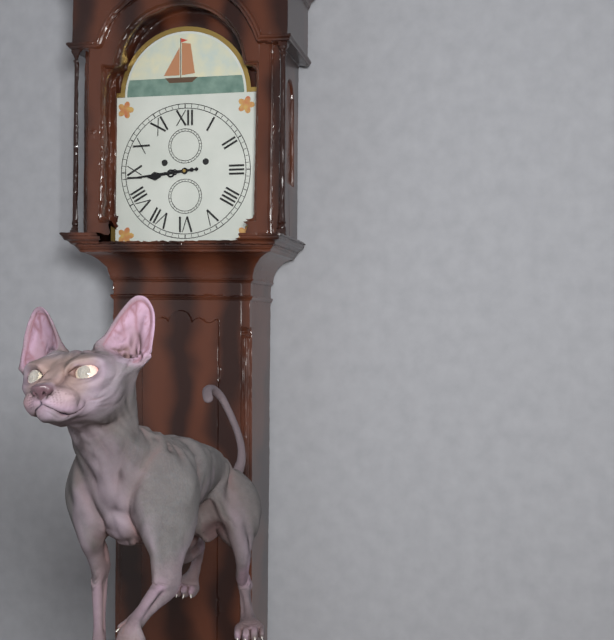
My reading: 8:44
